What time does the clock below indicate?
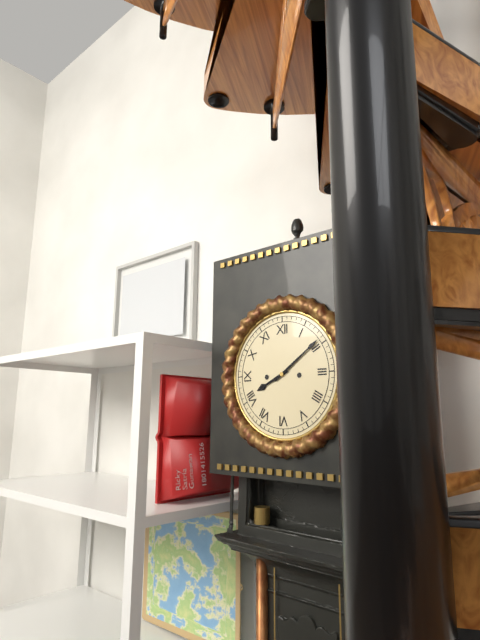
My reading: 8:09
